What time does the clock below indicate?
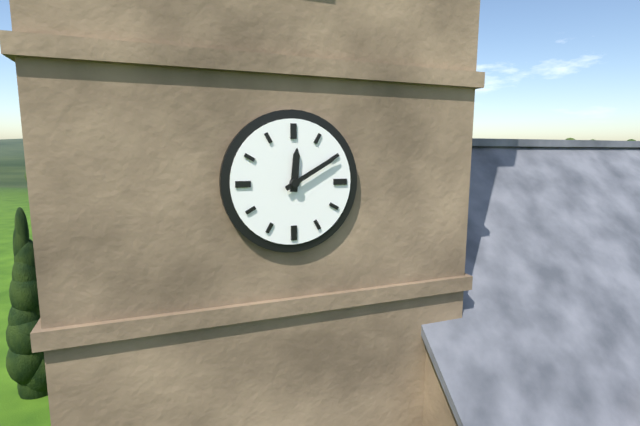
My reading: 12:10
